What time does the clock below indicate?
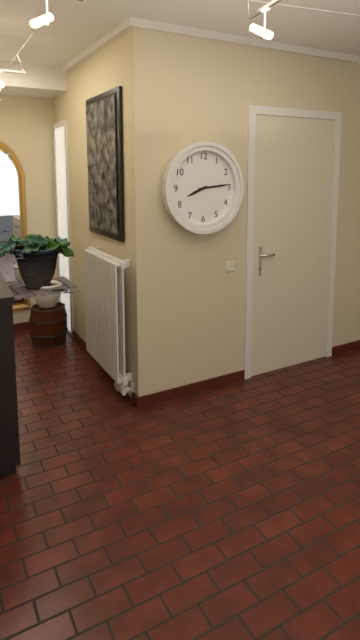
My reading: 8:14
